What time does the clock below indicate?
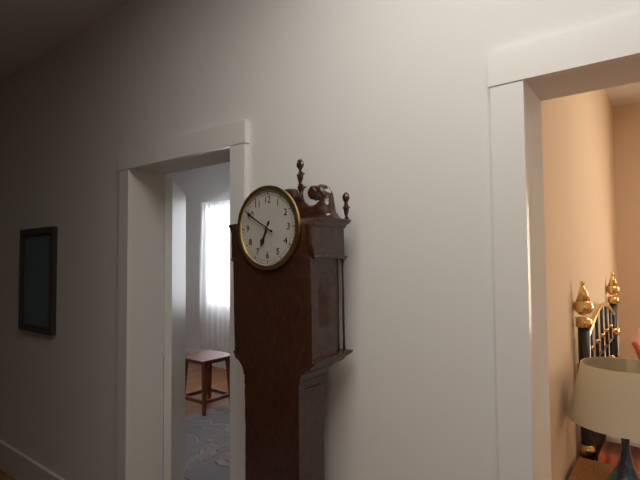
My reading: 6:50
